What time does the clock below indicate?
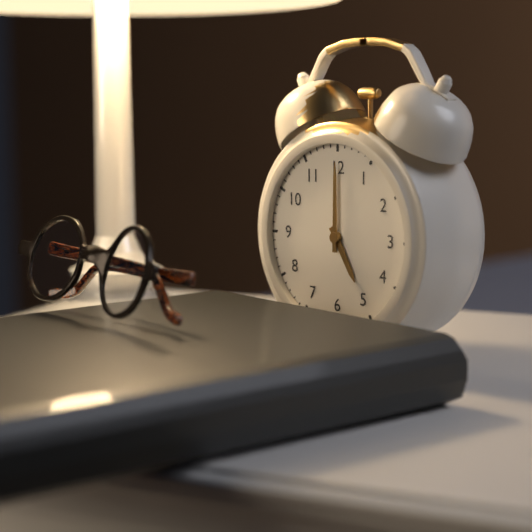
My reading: 5:00
